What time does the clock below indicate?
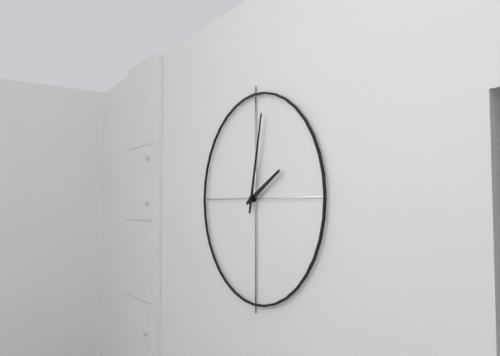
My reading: 2:02
